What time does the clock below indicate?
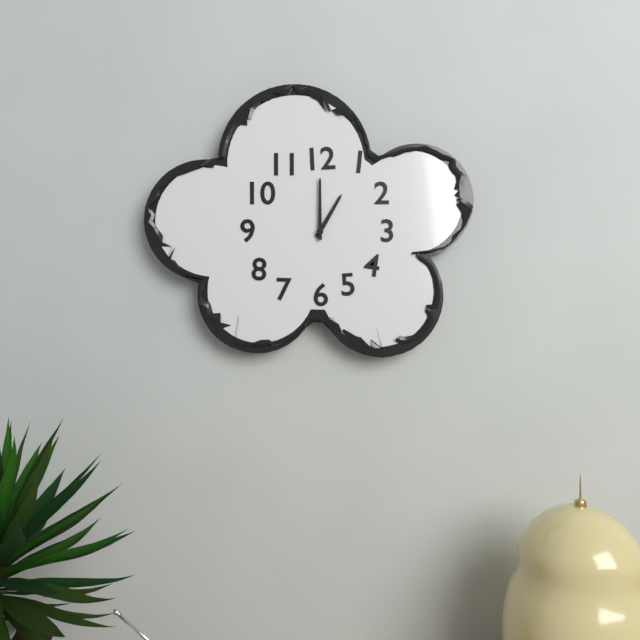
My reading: 1:00
